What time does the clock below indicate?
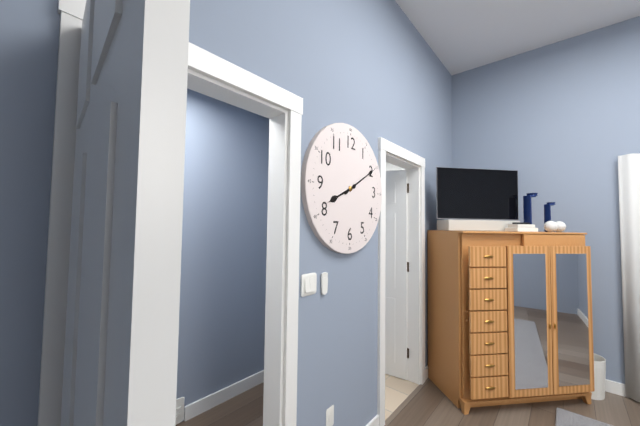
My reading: 8:10
